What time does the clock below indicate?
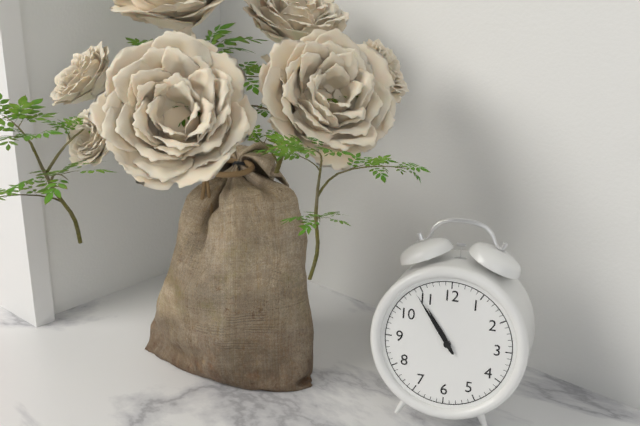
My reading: 10:54
